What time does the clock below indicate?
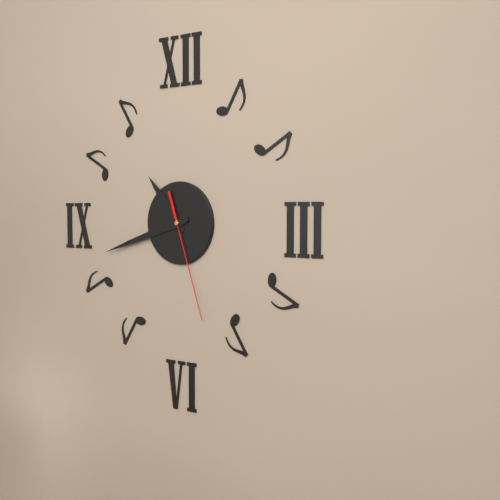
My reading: 10:42:27
